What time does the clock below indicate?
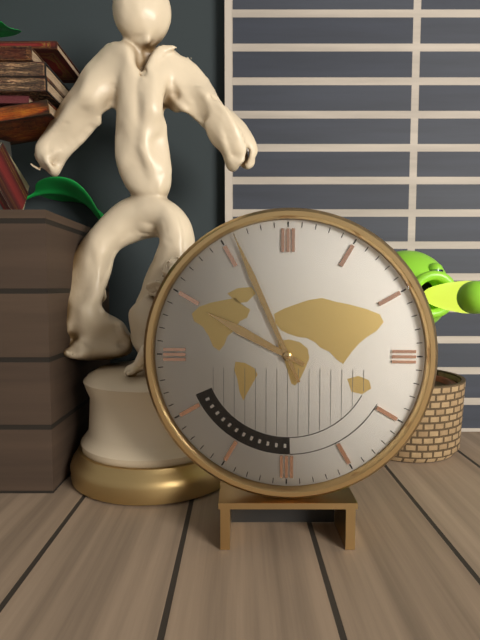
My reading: 9:56
